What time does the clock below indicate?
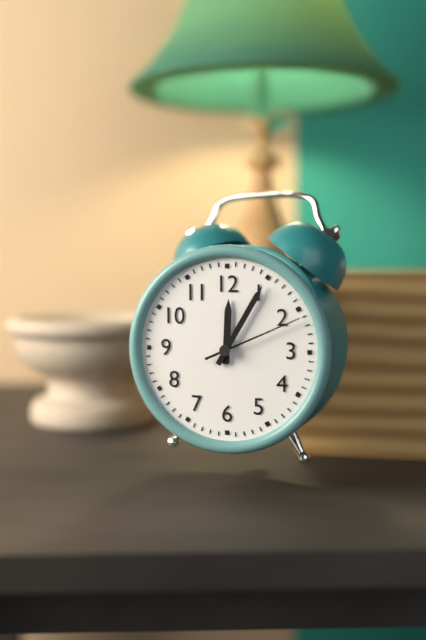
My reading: 12:05:11
